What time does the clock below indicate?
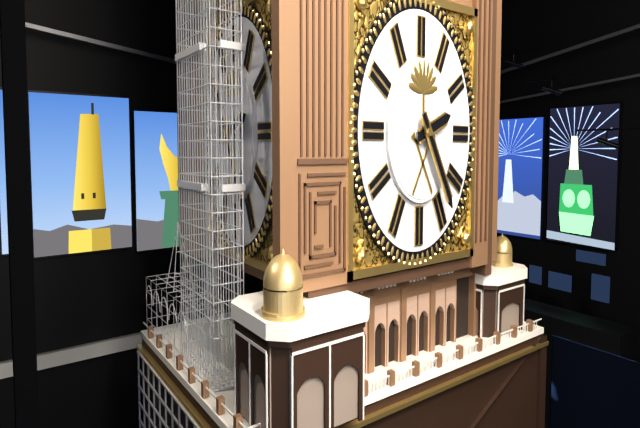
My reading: 2:24
